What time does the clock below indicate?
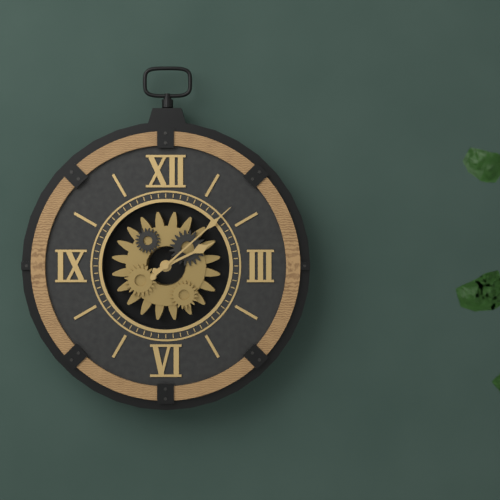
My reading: 2:08
